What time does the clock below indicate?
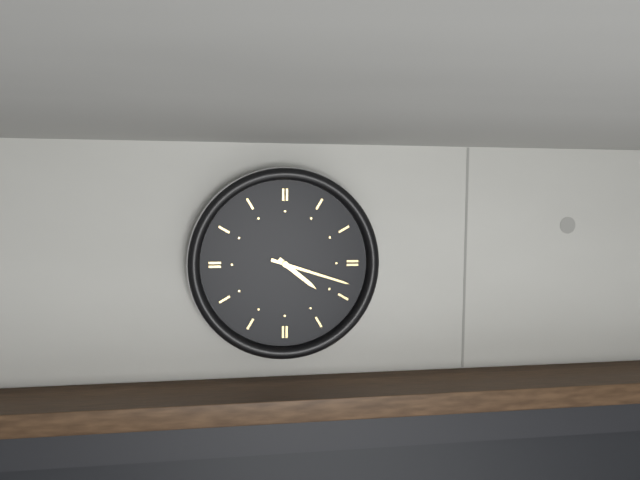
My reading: 4:18
